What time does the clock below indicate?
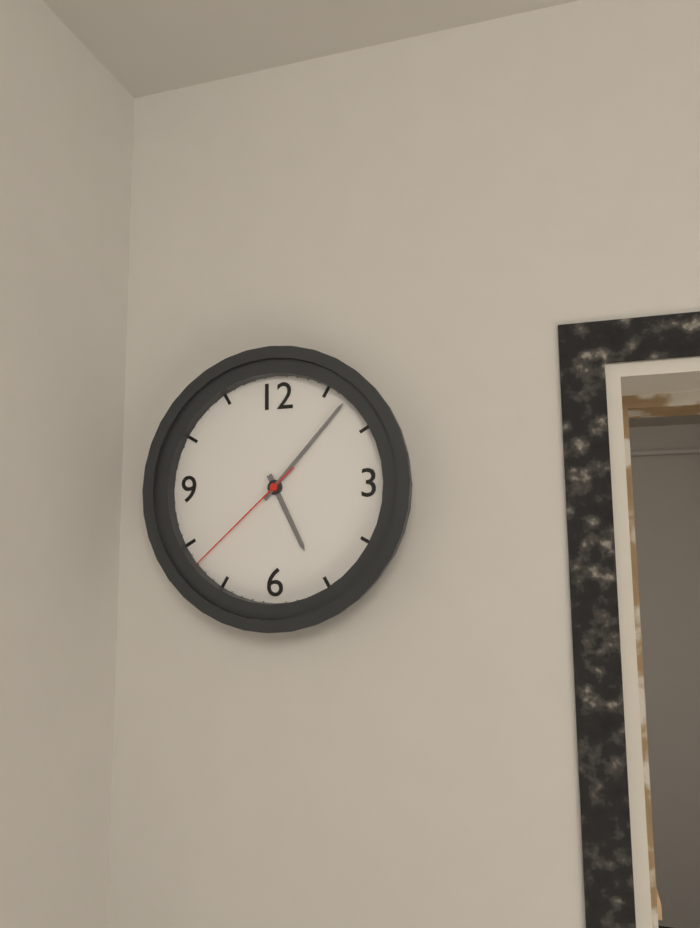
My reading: 5:07:38
